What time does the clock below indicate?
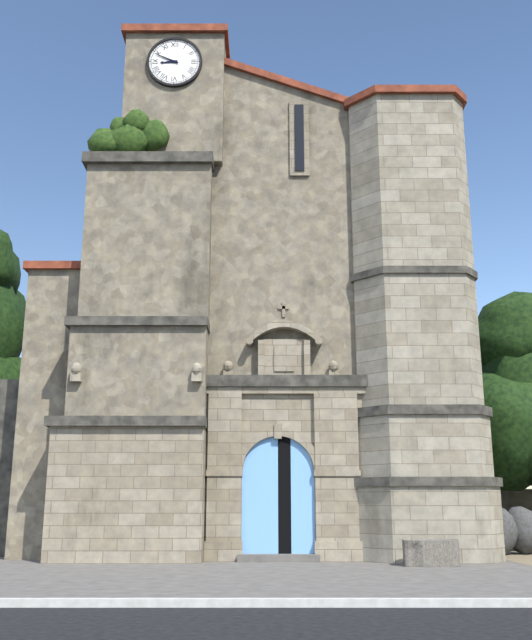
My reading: 8:49
